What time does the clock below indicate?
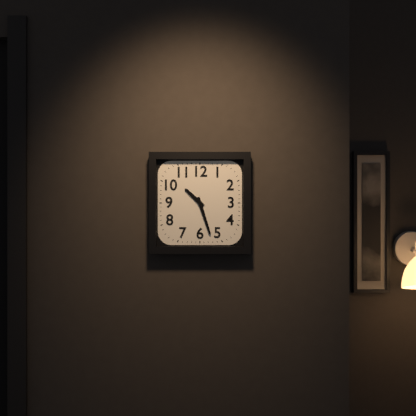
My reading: 10:27
